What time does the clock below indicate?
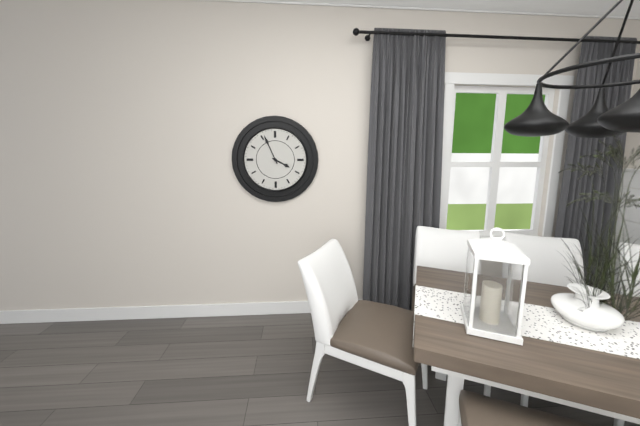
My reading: 3:56
